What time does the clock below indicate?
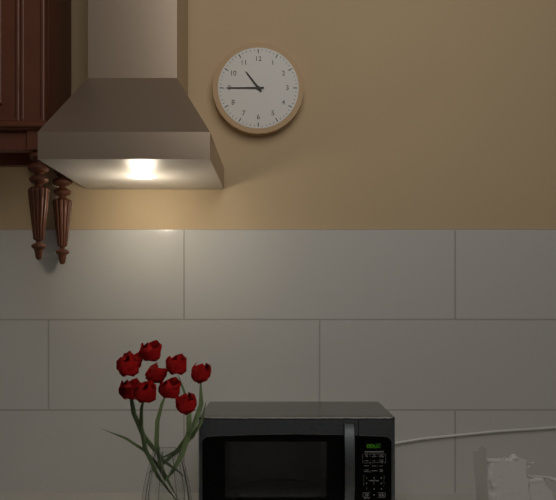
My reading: 10:45
